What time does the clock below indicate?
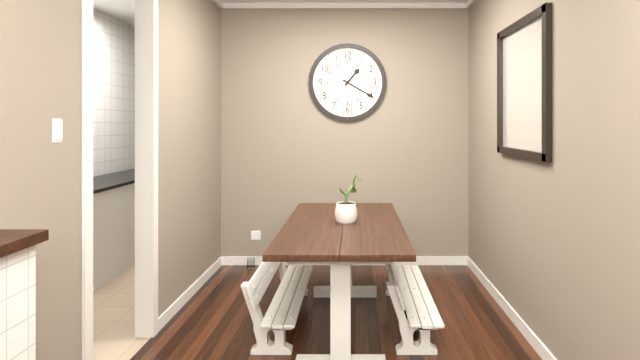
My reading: 1:20
